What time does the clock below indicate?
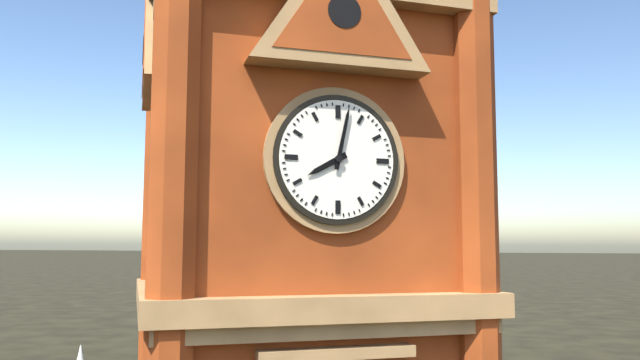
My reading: 8:02
